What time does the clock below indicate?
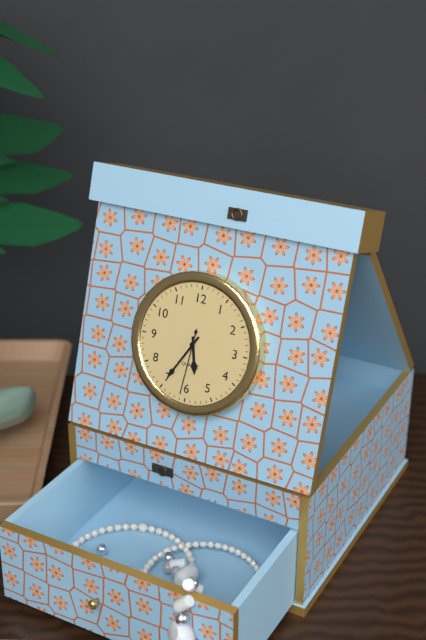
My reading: 5:35:31
